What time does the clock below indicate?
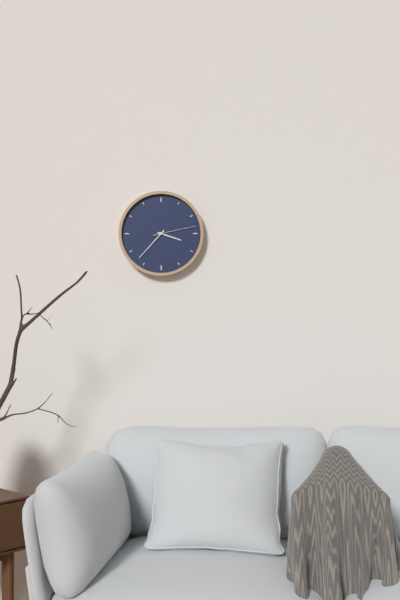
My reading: 3:37
